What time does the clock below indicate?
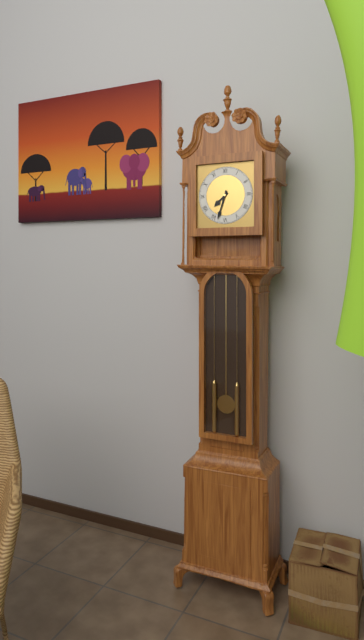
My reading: 7:33
